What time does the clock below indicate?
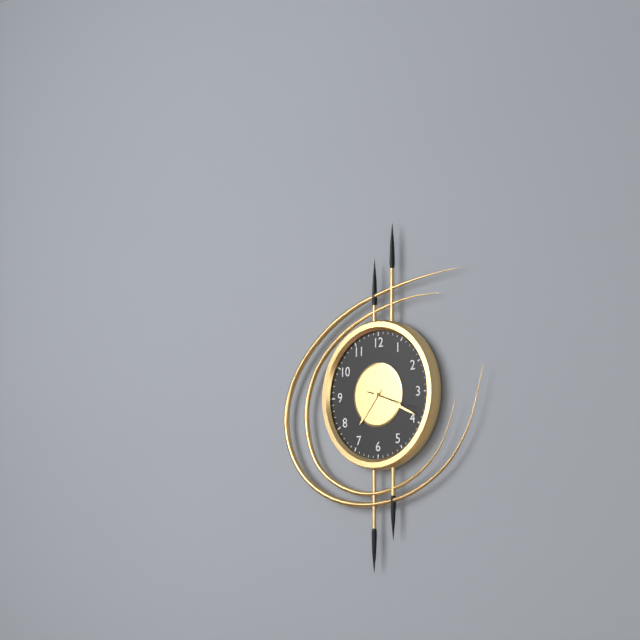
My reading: 7:19:18
